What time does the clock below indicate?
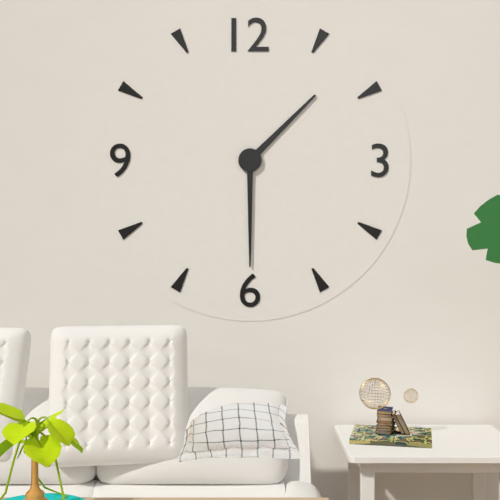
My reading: 1:30
